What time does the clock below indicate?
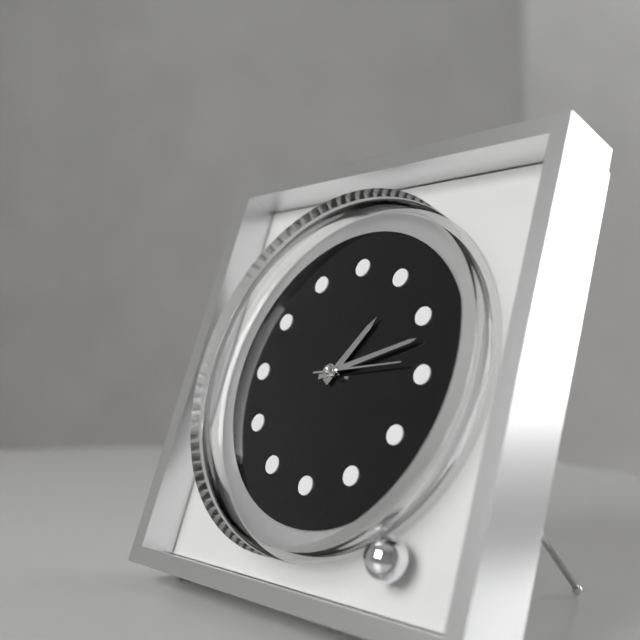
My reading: 1:12:14
